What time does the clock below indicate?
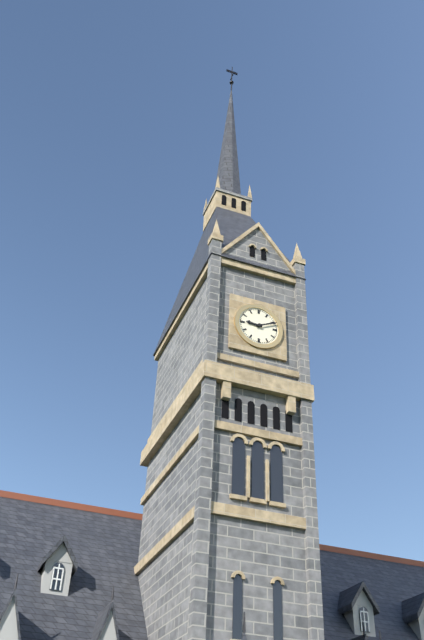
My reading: 9:11
